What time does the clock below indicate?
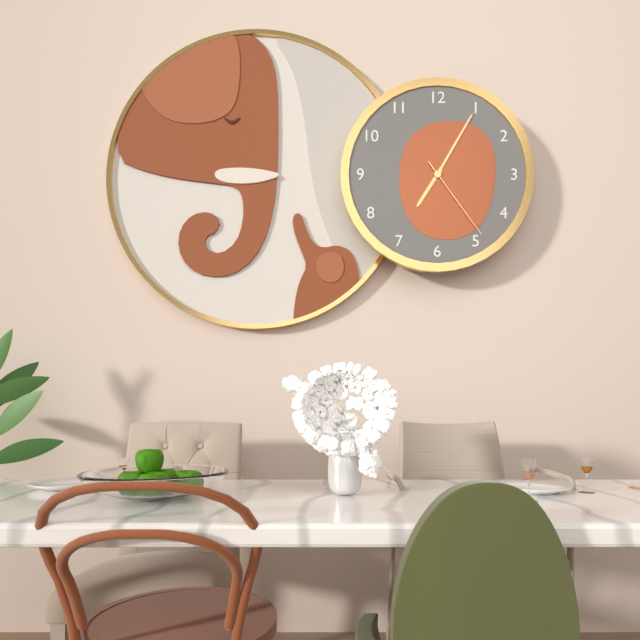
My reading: 7:05:24
